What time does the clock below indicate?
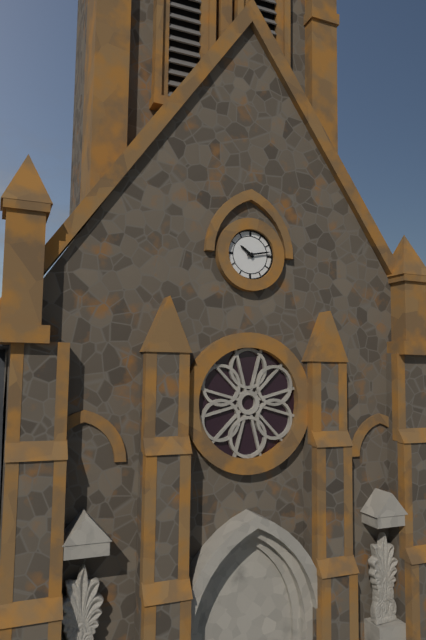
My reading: 10:13
